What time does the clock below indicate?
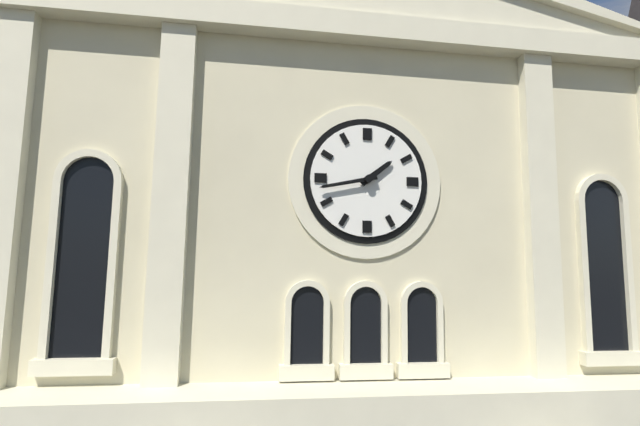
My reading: 1:43
